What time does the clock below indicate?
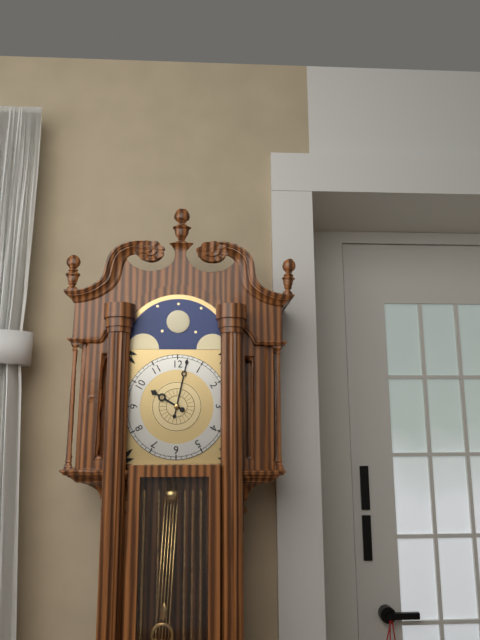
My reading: 10:02
